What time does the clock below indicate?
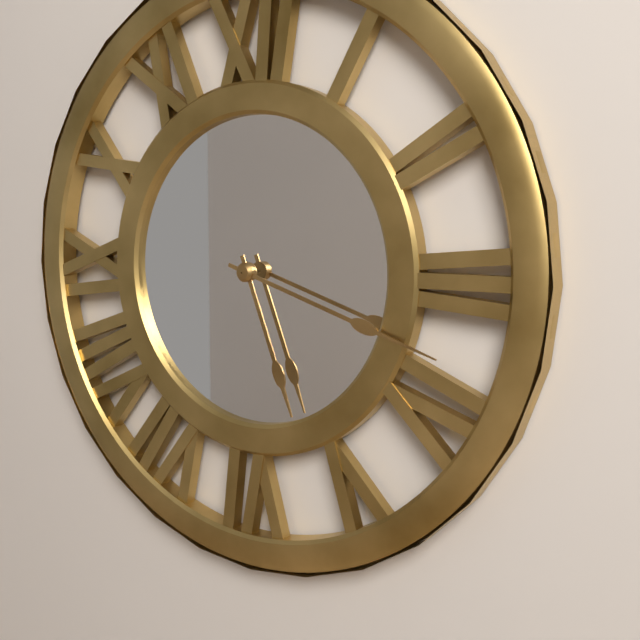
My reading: 5:18
